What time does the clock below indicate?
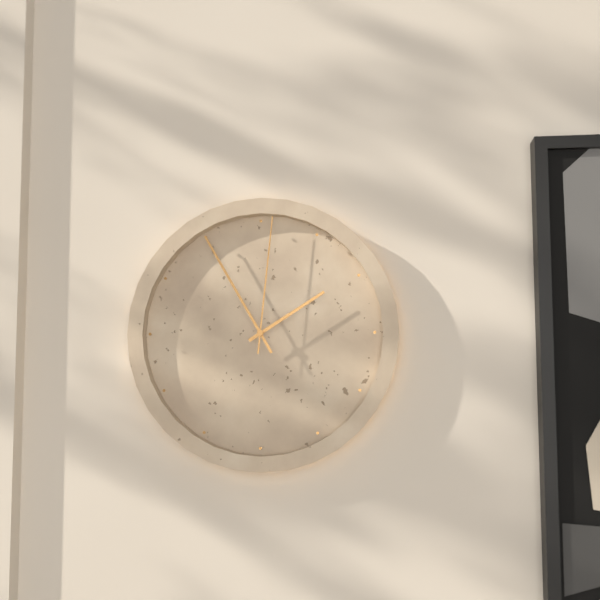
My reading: 1:55:01
